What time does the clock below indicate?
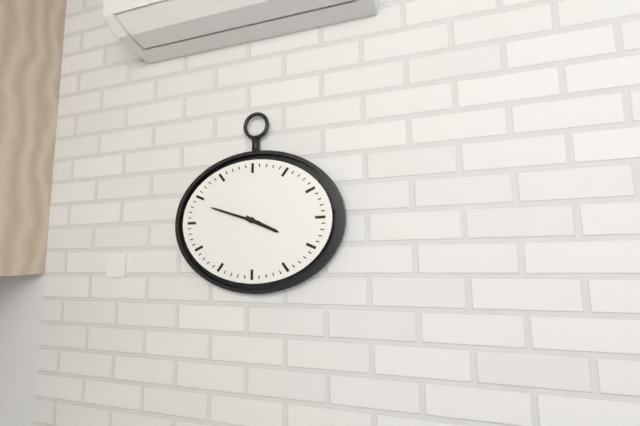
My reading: 3:48
